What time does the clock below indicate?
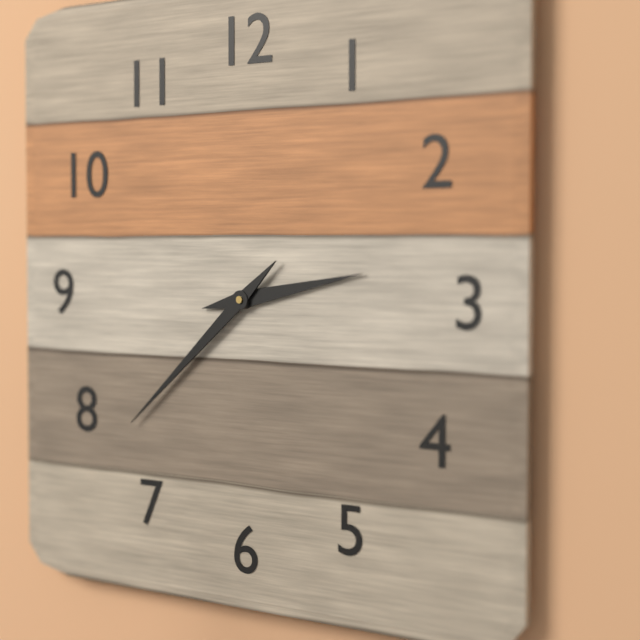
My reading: 2:38
